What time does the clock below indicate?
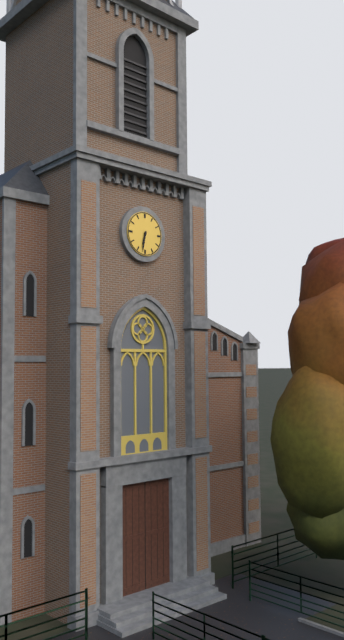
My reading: 6:32
